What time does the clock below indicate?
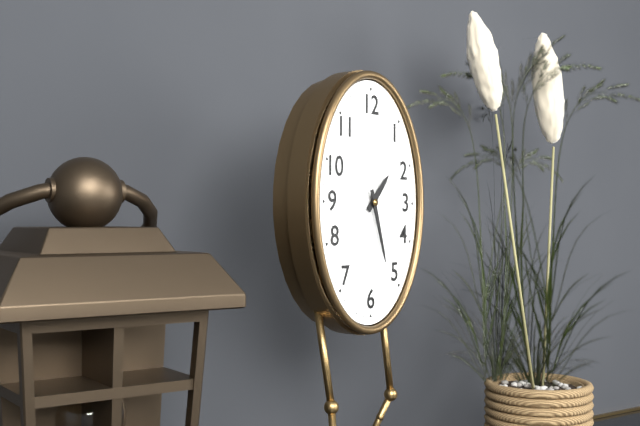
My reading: 1:27
